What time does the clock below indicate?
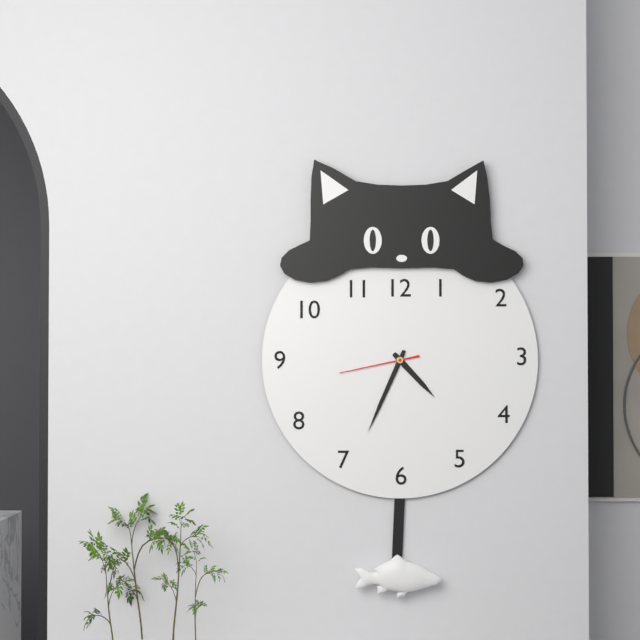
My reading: 4:34:43
